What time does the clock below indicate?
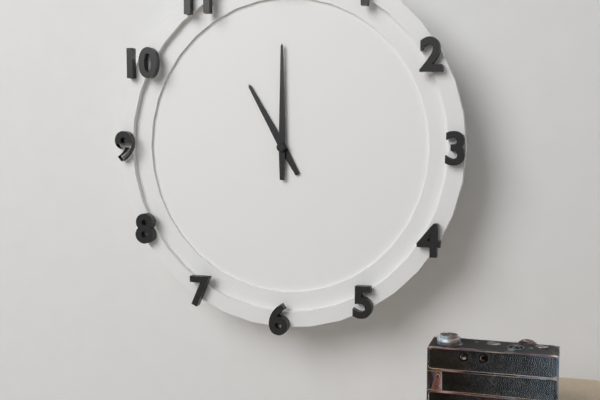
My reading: 11:00
